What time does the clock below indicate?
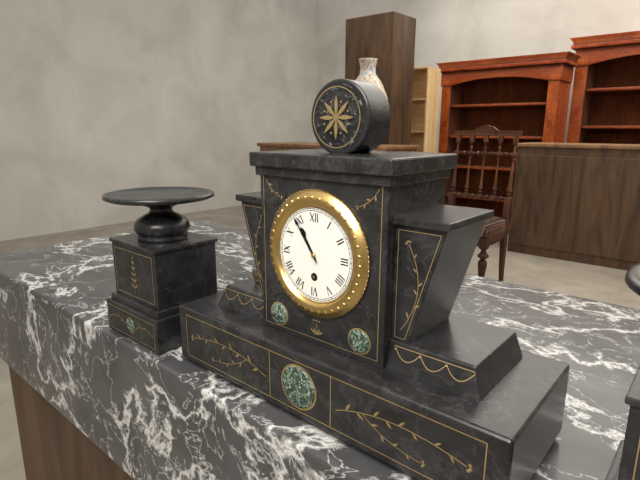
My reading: 10:54
